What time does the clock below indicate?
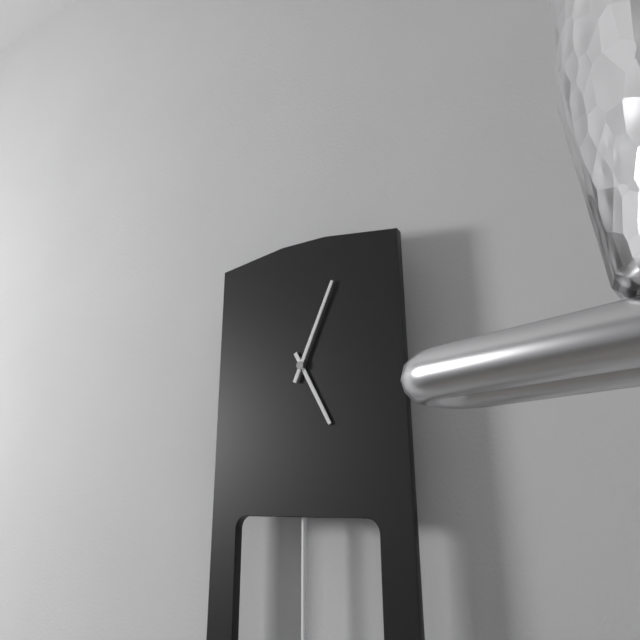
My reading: 5:04
